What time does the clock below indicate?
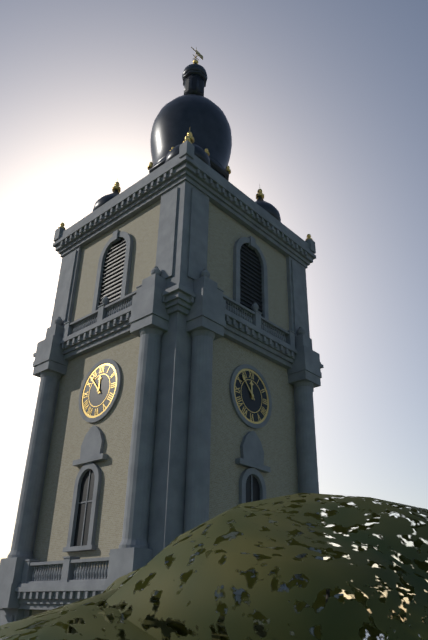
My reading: 11:53
